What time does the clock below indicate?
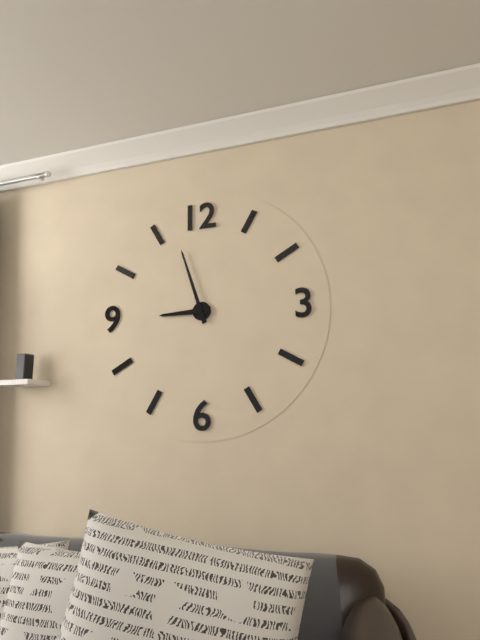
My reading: 8:57
